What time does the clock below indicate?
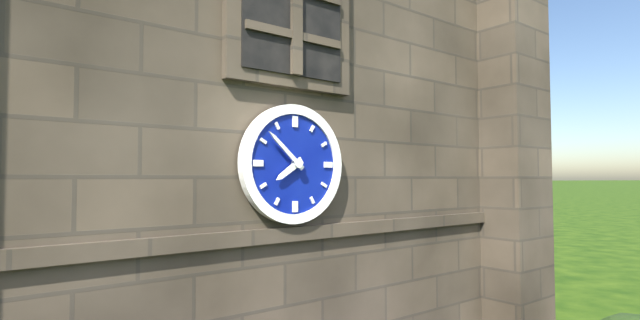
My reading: 7:52
